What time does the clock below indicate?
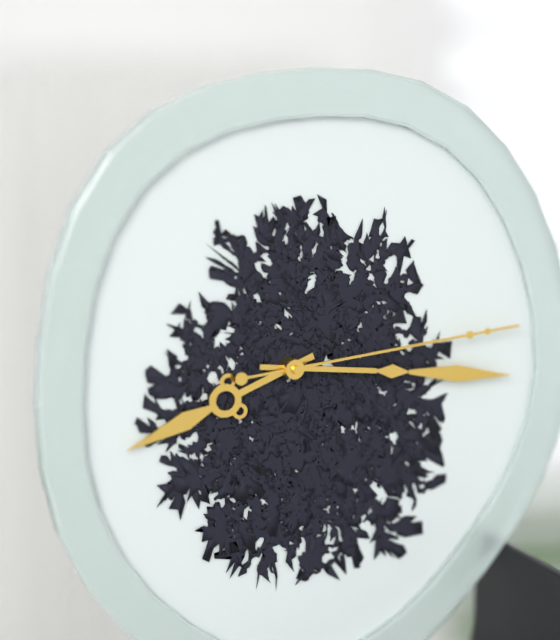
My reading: 8:16:14
